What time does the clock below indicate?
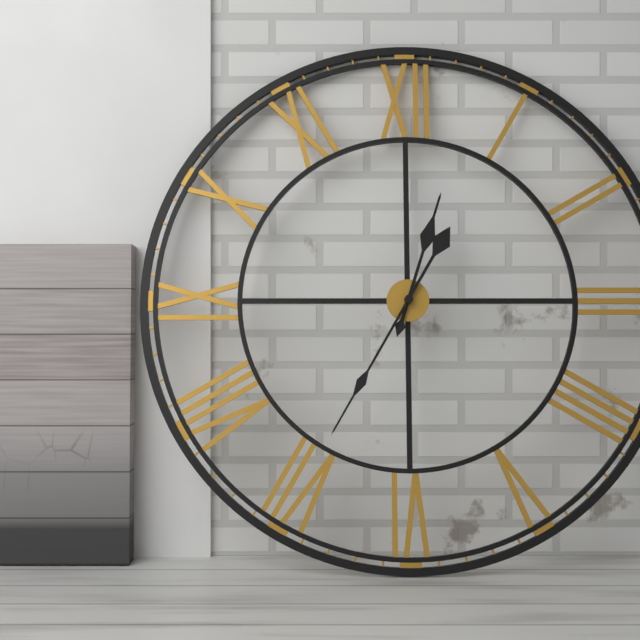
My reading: 12:35
